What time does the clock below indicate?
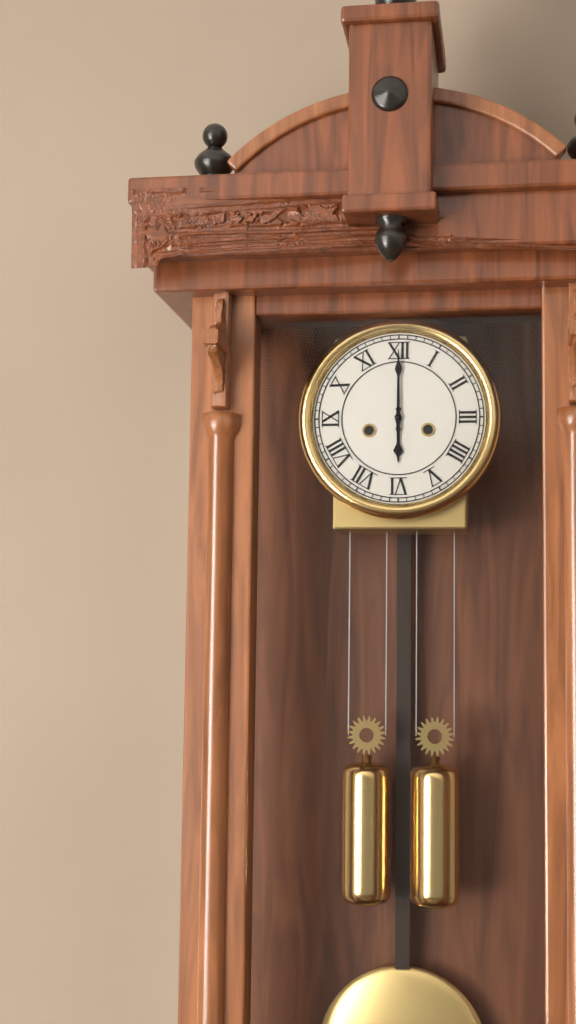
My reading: 6:00
